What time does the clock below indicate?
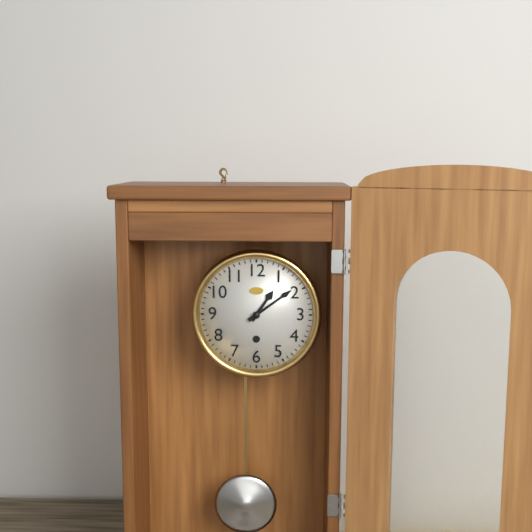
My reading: 1:09
